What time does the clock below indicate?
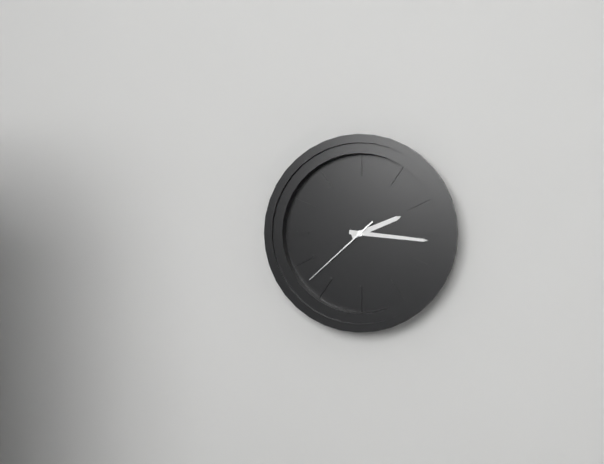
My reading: 2:16:38
